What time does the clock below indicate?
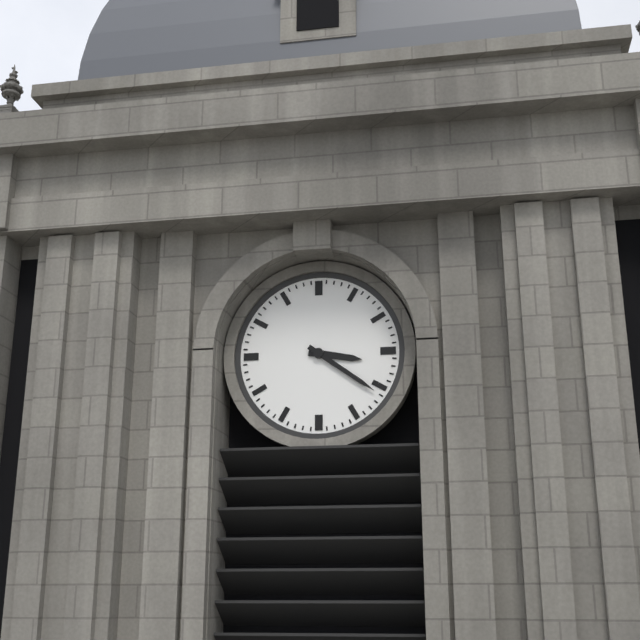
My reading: 3:21
